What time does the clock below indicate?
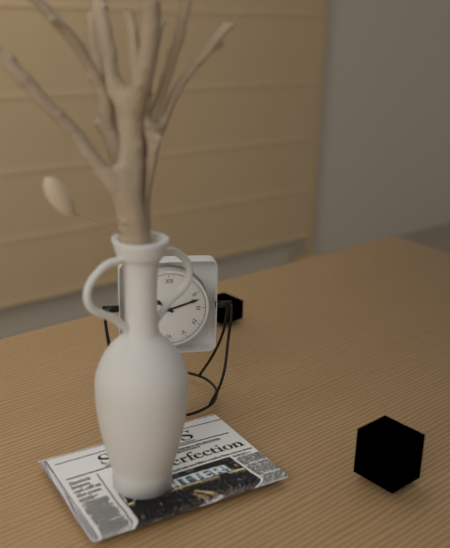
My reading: 10:12
